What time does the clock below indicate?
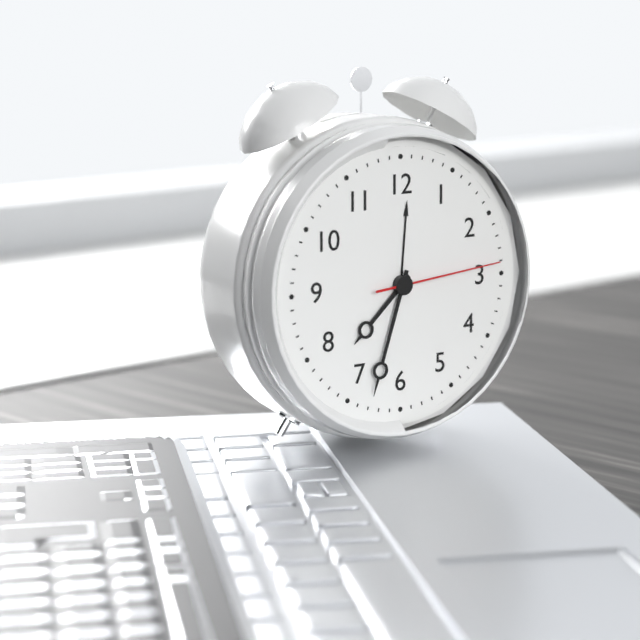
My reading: 7:33:14
